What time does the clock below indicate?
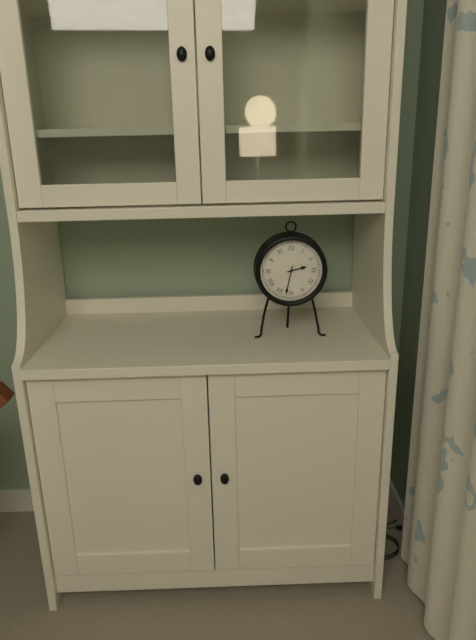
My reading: 2:32
